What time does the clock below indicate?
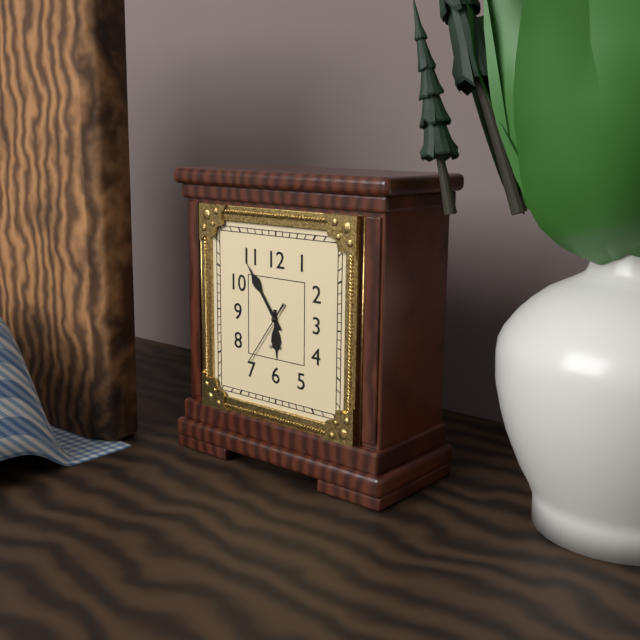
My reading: 5:54:36
